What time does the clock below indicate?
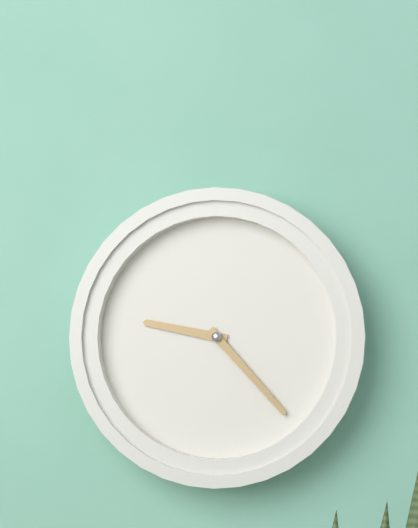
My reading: 9:23
